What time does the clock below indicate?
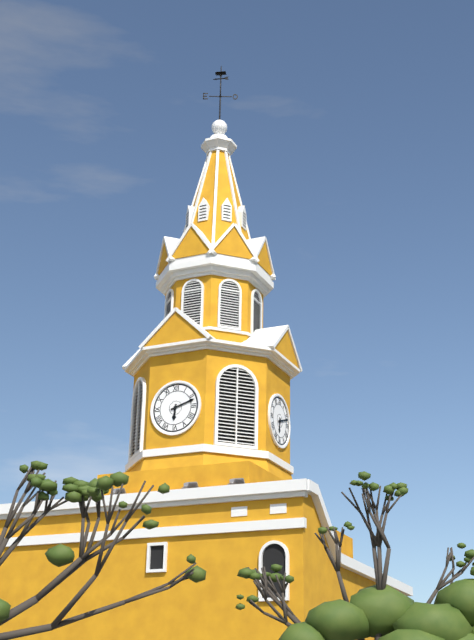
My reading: 6:12
